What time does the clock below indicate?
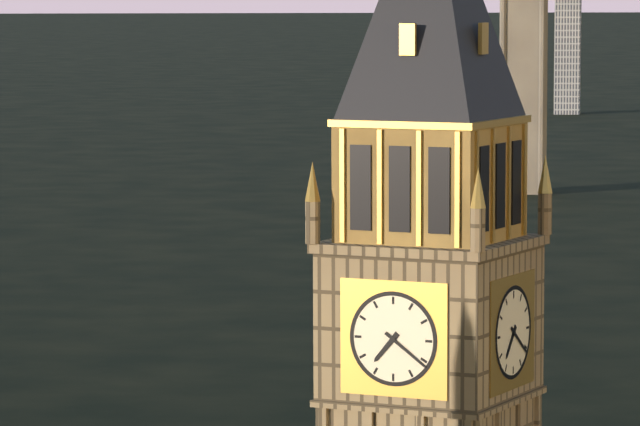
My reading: 7:21
